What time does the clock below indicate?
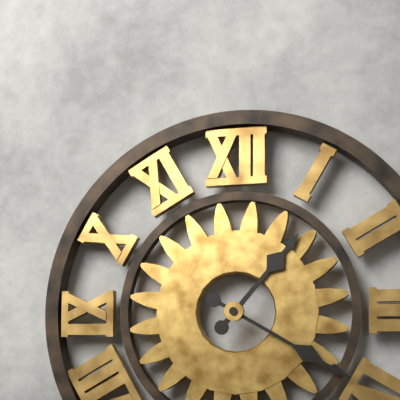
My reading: 1:20
